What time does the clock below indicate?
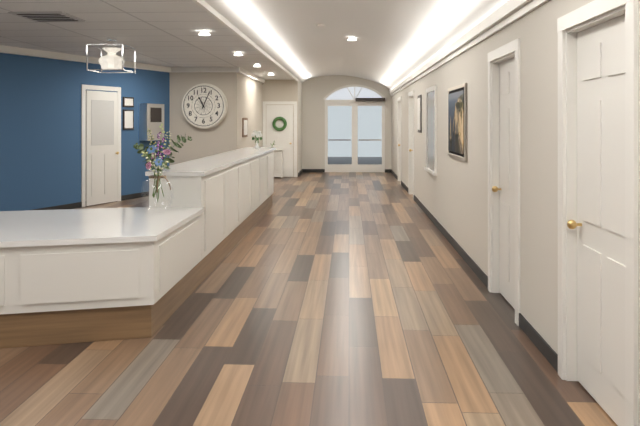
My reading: 11:04
